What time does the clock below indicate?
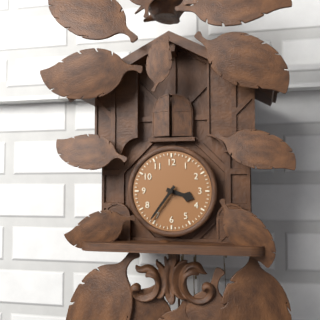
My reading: 3:36
